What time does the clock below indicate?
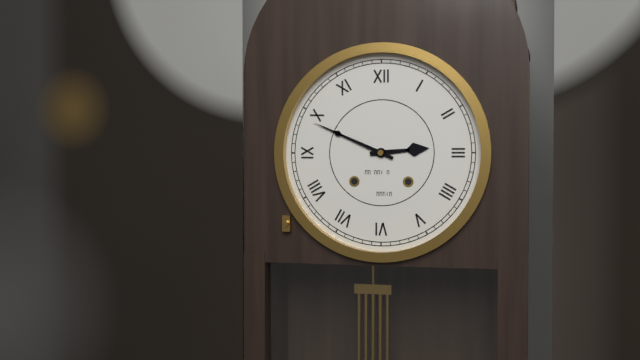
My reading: 2:49
